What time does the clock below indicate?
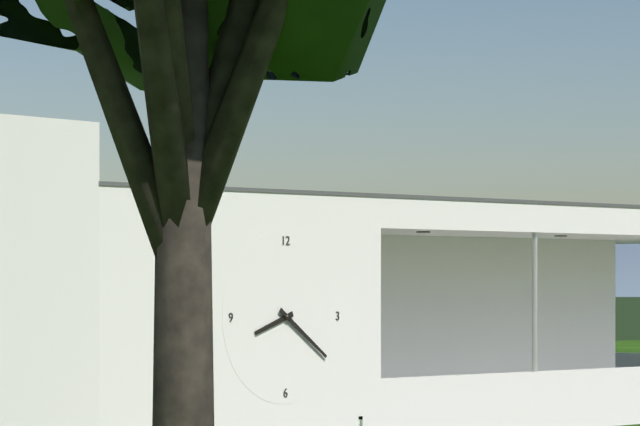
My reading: 8:21
